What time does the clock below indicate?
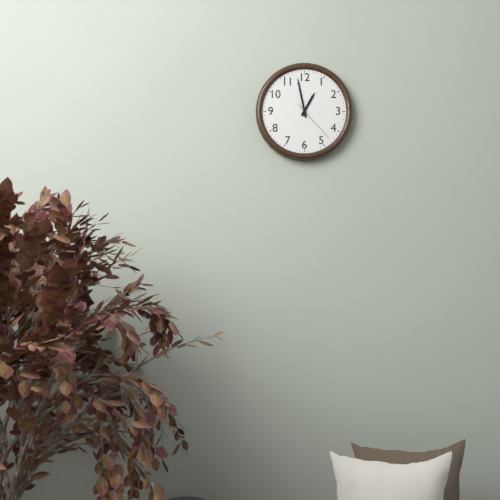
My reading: 12:58
